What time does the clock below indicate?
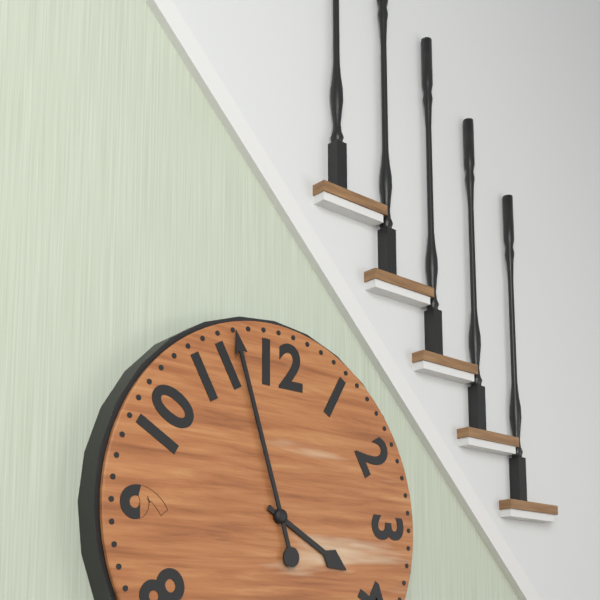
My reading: 3:57
